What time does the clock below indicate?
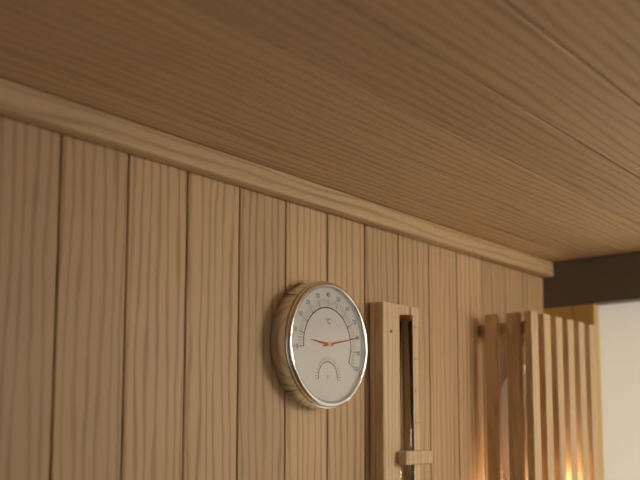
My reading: 9:13
